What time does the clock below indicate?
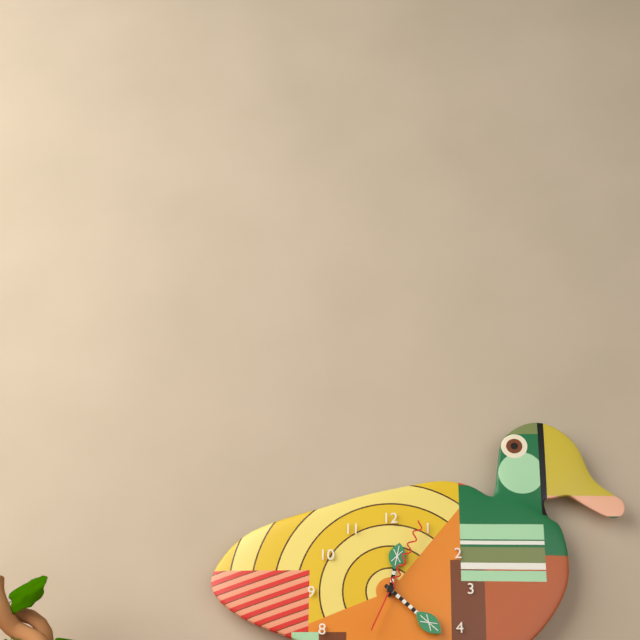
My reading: 12:22:04
